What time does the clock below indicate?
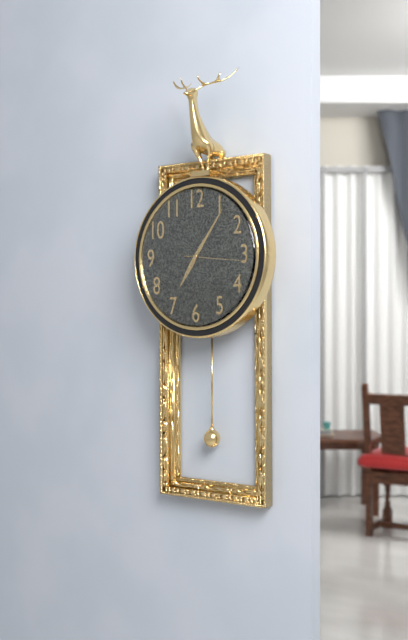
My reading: 7:06:16
